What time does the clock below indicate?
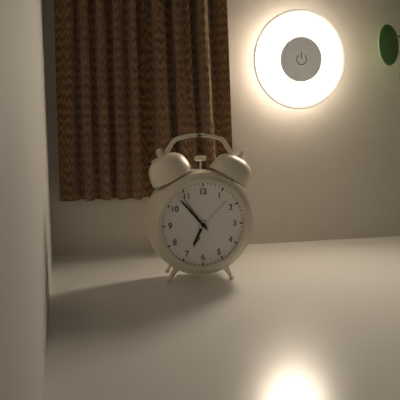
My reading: 6:53
